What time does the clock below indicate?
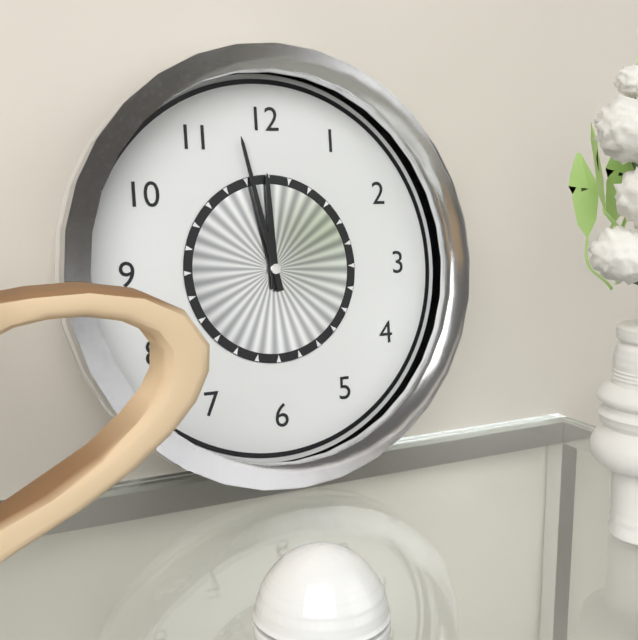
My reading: 11:58
